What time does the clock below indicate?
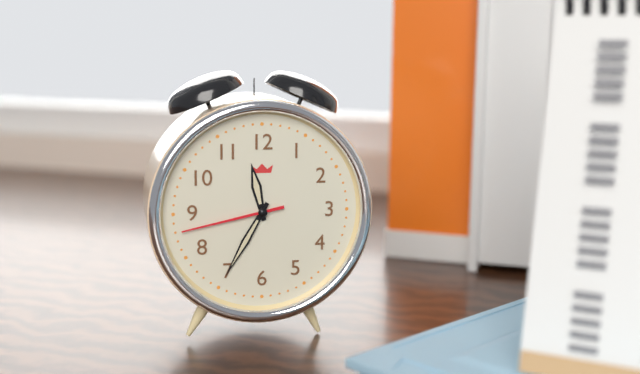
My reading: 11:35:43
